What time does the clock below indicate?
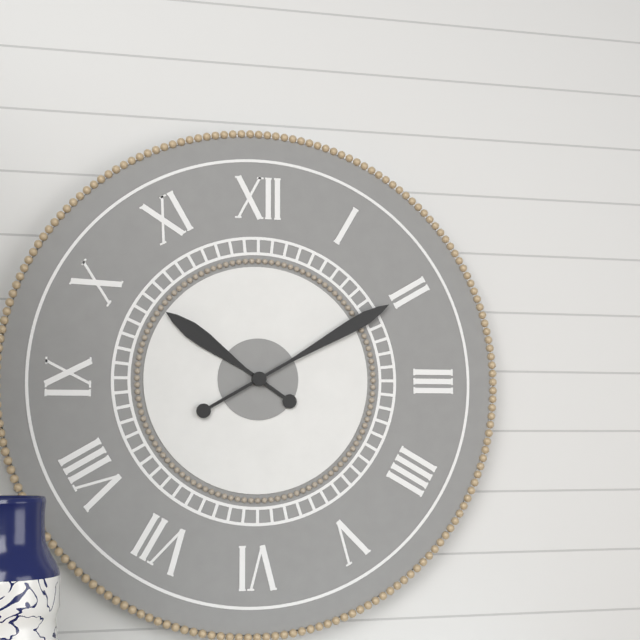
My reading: 10:10
